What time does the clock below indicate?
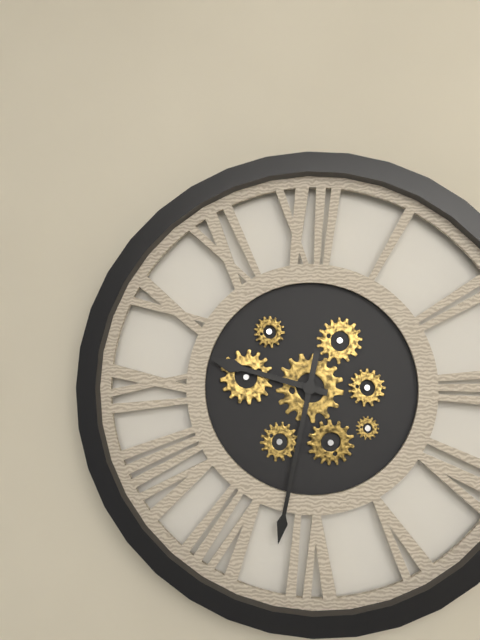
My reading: 9:32
